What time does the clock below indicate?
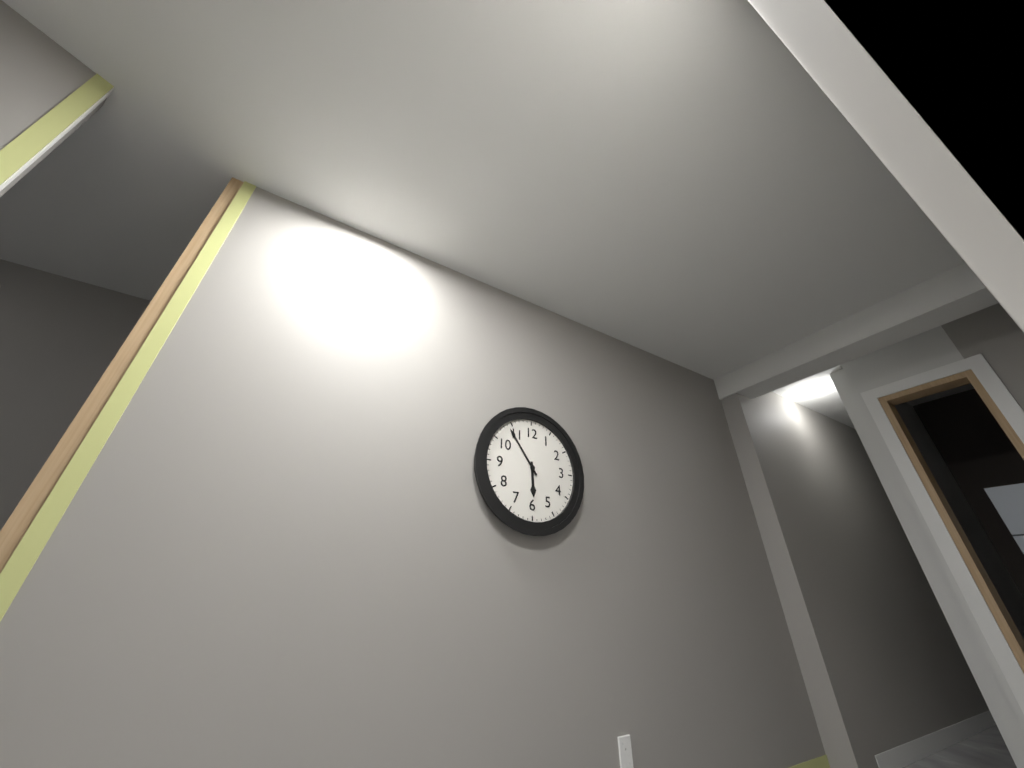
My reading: 5:54
